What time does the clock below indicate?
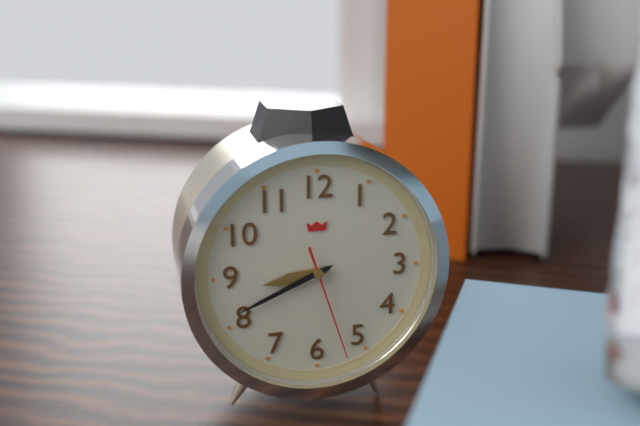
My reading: 8:41:27
